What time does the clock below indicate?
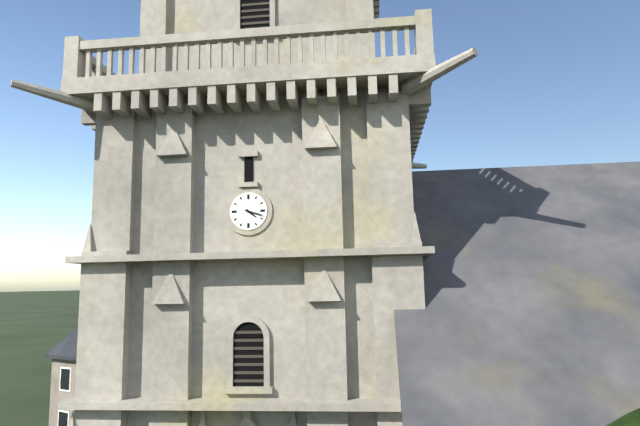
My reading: 4:18
